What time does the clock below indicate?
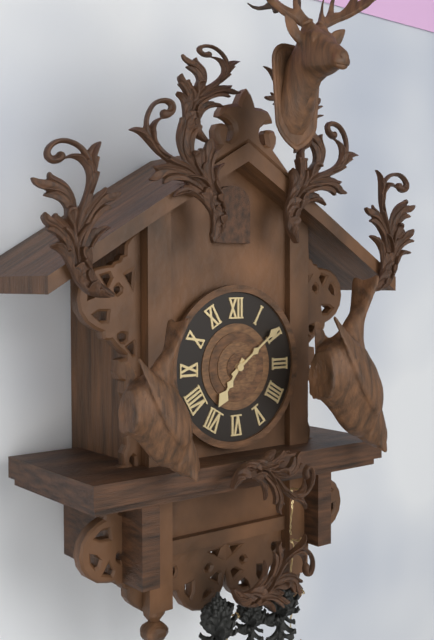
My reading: 7:09
